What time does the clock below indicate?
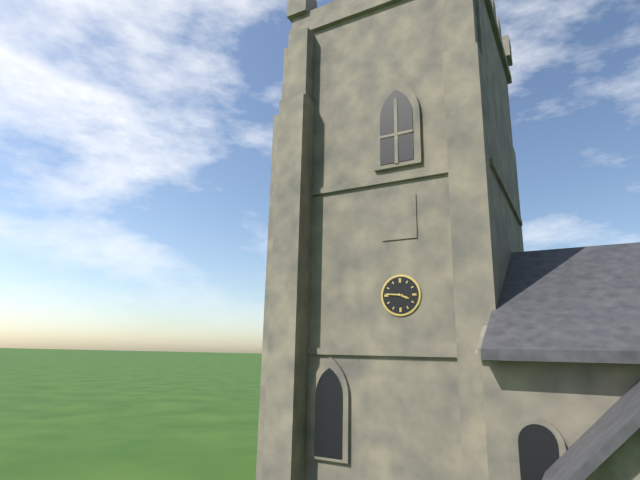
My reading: 3:46
